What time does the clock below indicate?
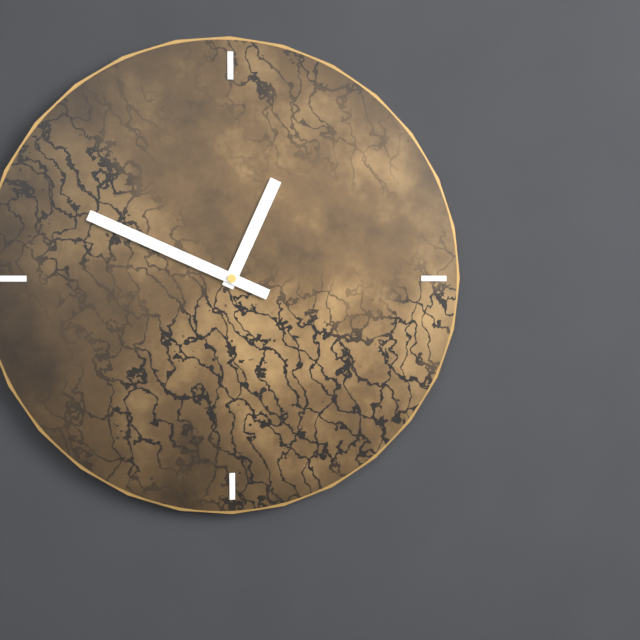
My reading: 12:49
